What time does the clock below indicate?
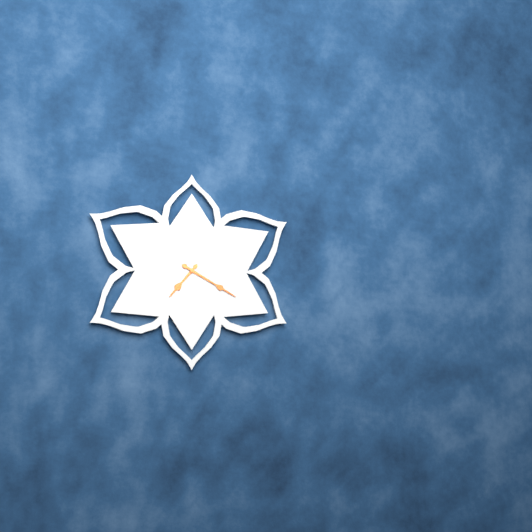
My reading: 7:20
